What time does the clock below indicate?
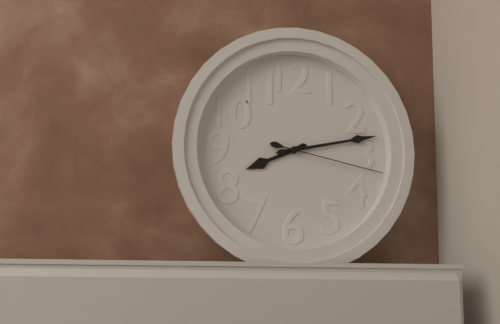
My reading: 8:13:17
